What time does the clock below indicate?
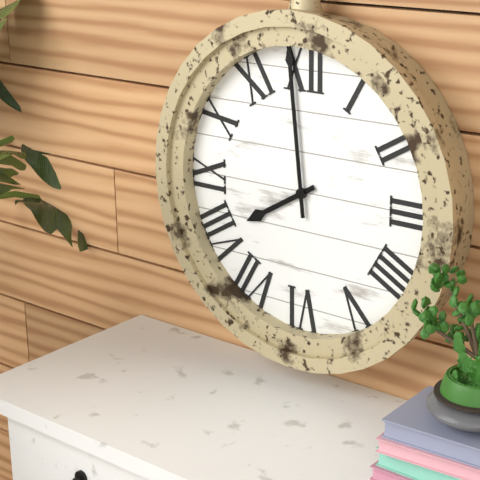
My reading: 7:59
